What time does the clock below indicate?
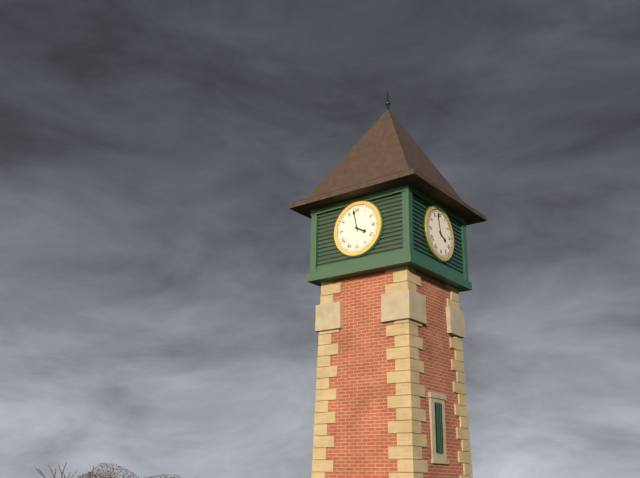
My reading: 3:58
